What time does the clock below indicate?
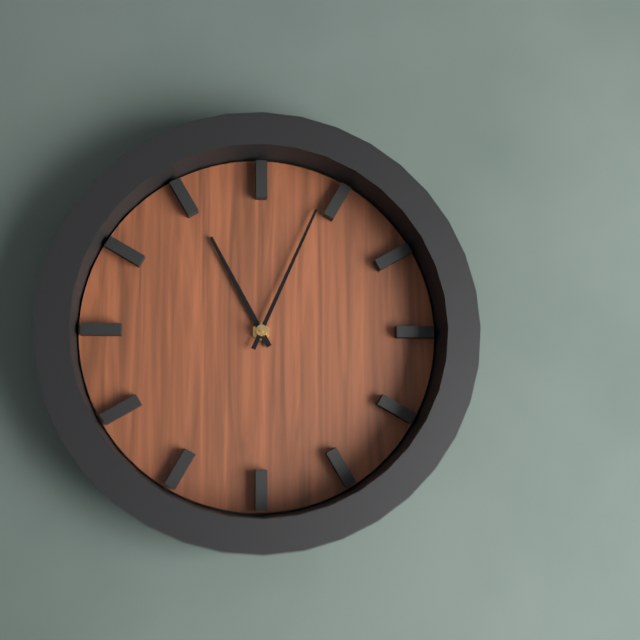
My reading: 11:04
